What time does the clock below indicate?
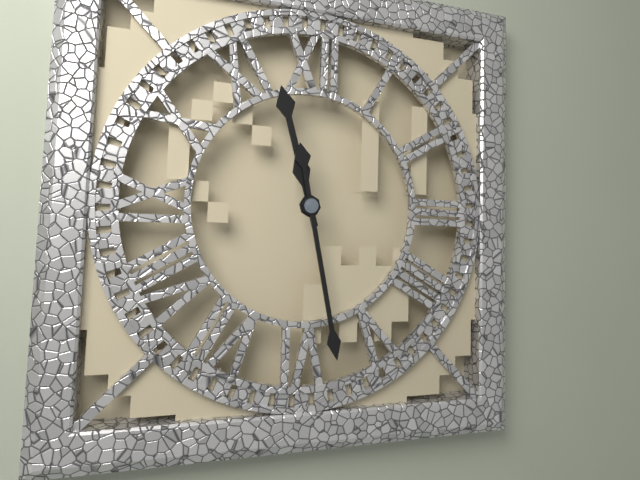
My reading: 11:28
